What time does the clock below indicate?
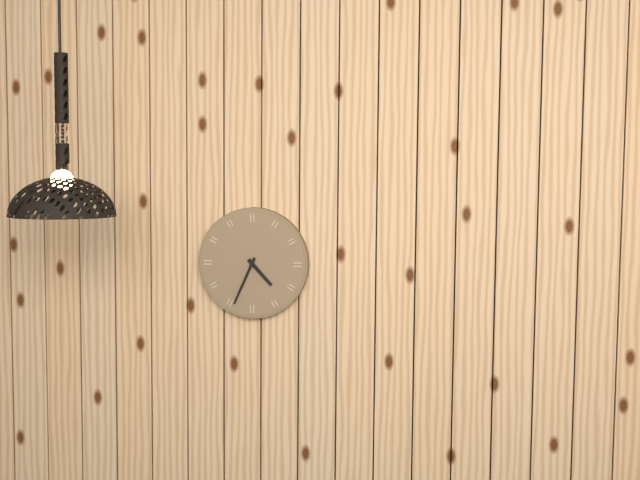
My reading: 4:34
